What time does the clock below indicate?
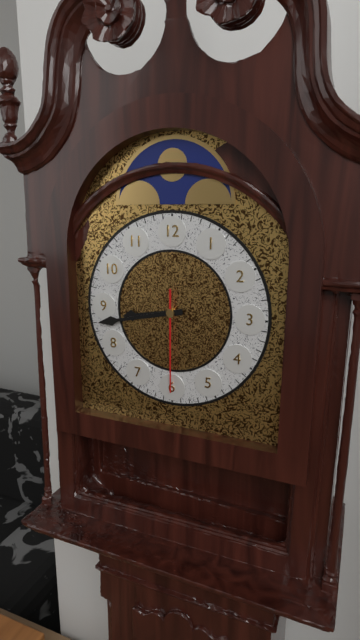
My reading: 8:43:30
